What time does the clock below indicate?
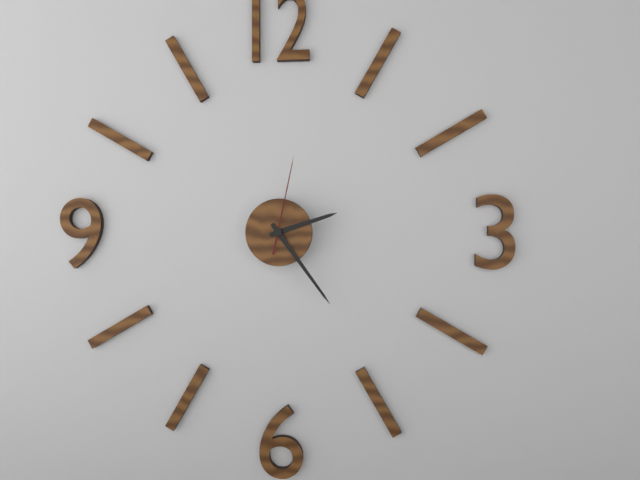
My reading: 2:24:02
